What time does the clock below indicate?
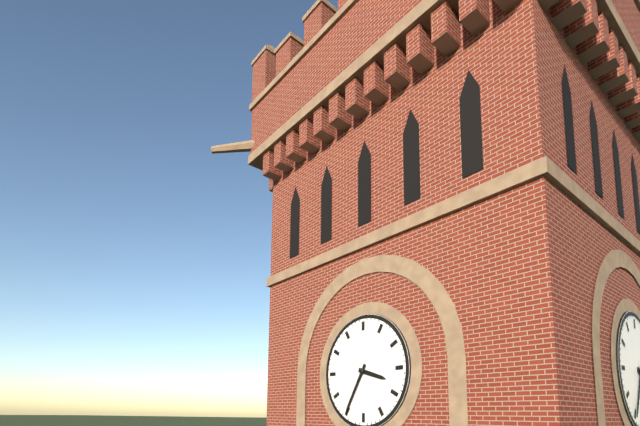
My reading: 3:35
